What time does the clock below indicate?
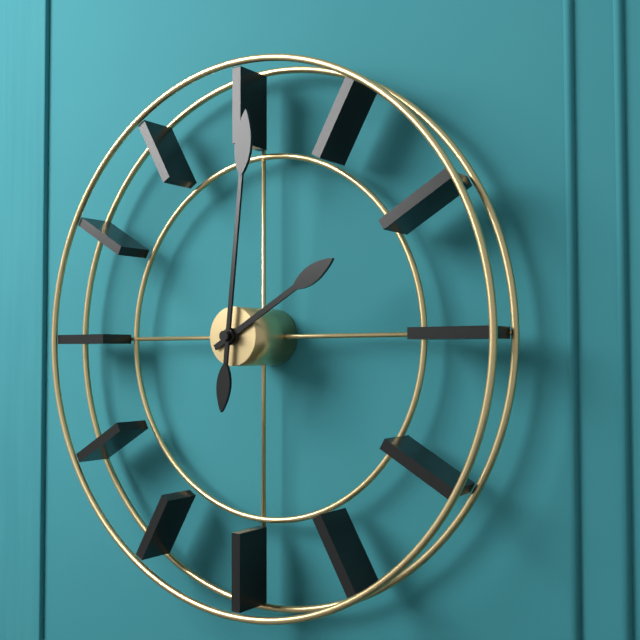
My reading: 2:01
